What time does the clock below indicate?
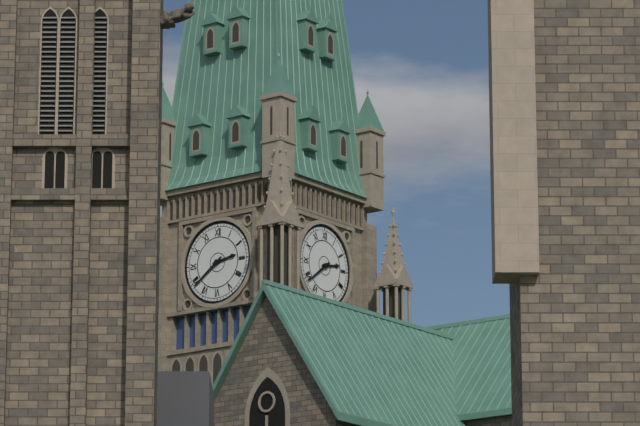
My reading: 2:39
